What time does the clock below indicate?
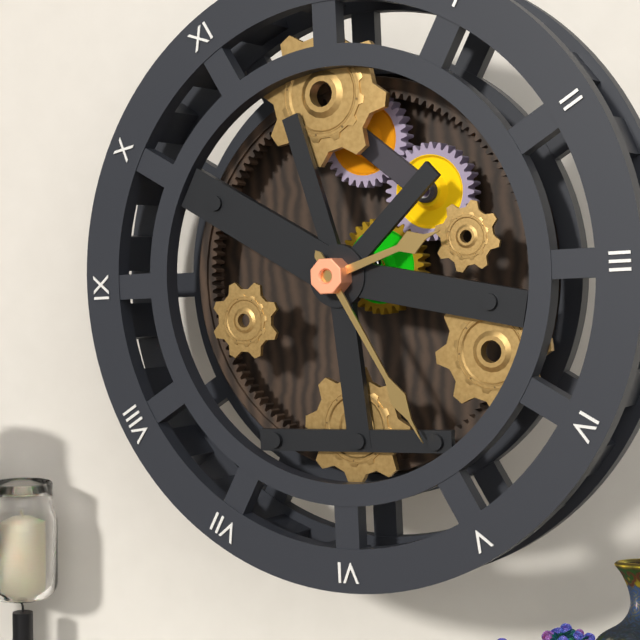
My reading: 2:25
